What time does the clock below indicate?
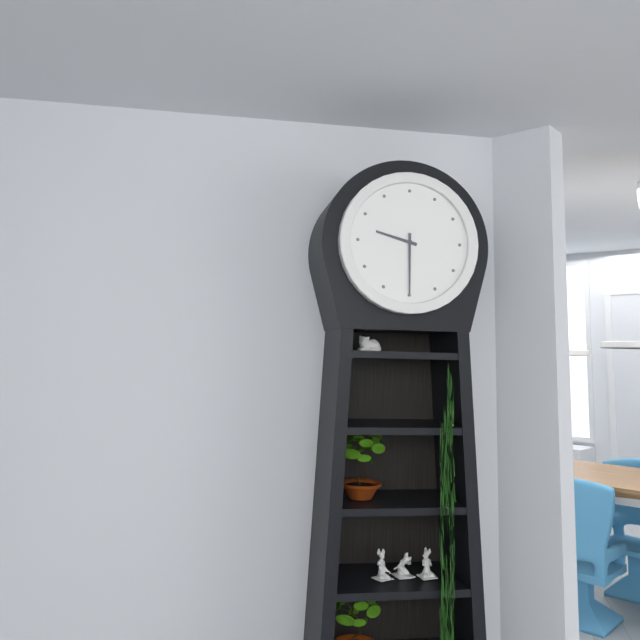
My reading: 9:30
